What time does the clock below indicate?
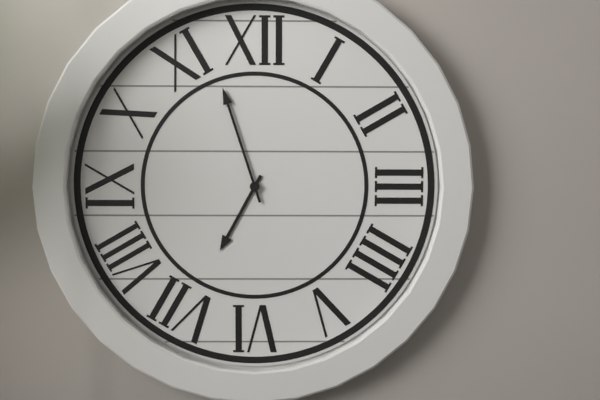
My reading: 6:57
